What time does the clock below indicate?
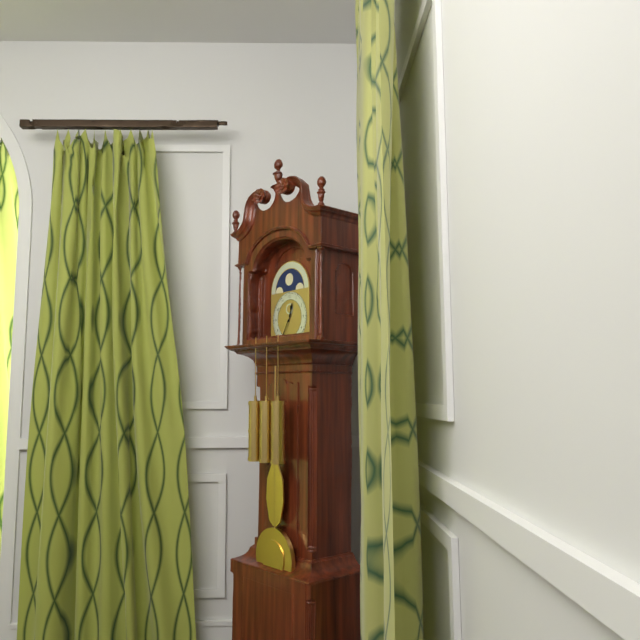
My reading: 12:35
